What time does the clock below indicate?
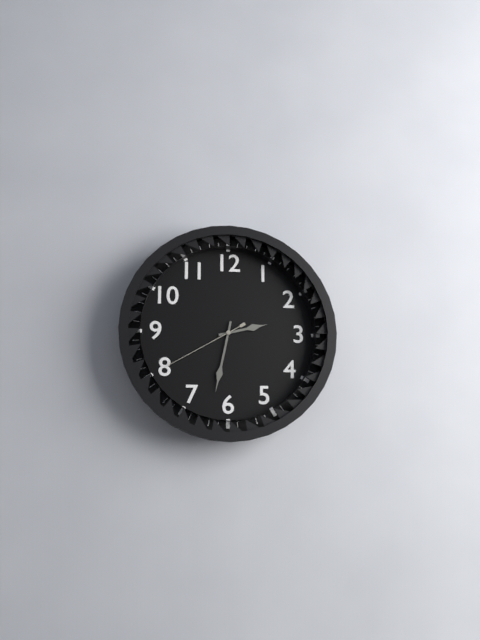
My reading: 2:32:40
